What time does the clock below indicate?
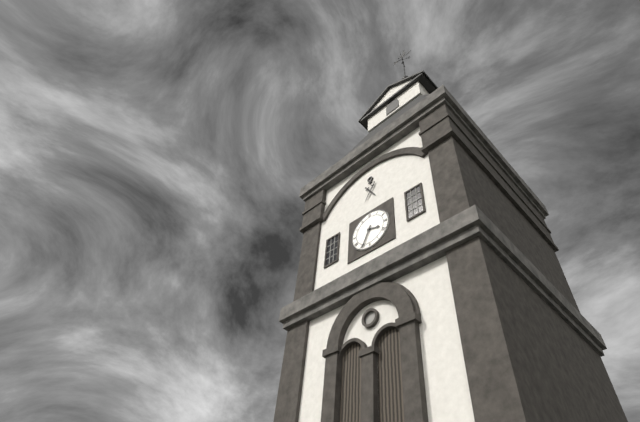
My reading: 3:34
